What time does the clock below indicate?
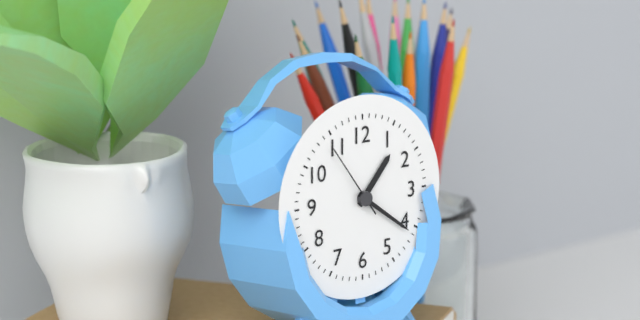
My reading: 1:21:54
